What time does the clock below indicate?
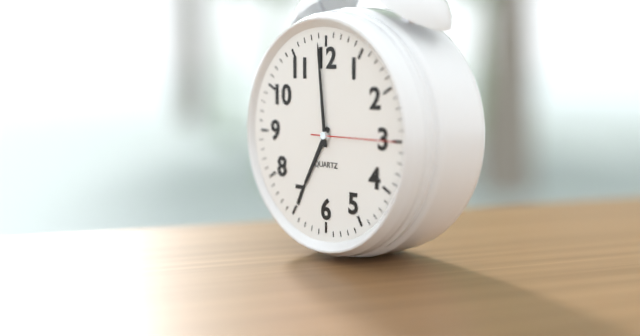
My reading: 6:59:15
